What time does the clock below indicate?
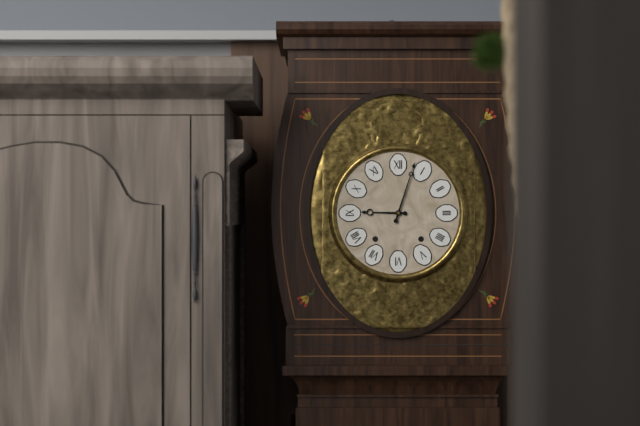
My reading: 9:03
